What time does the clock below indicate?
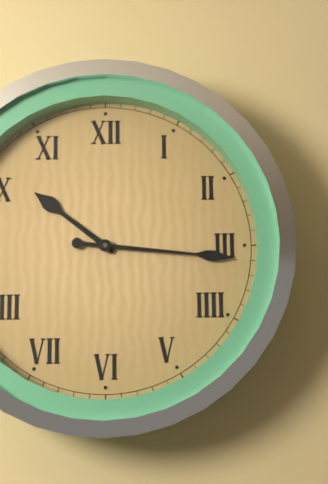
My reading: 10:16
